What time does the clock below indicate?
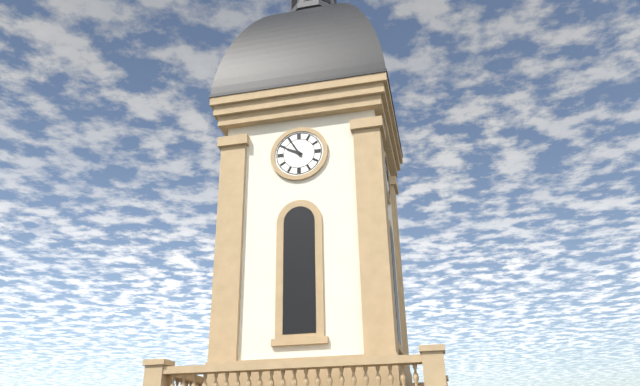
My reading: 9:55
